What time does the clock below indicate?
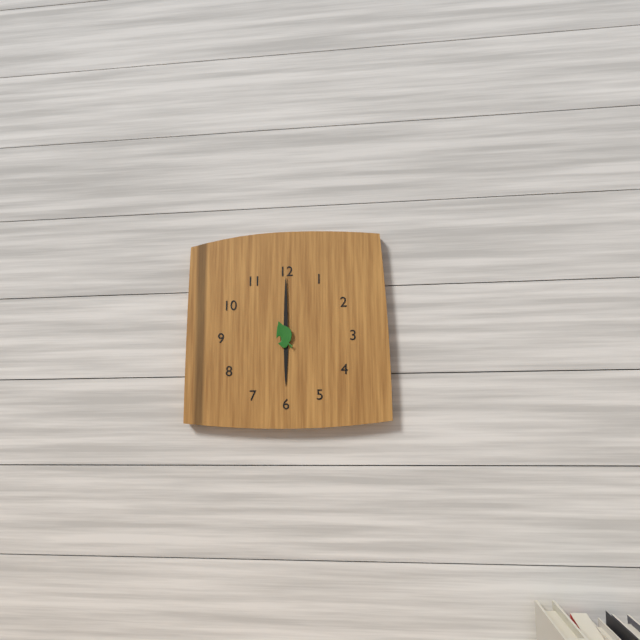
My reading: 6:00
